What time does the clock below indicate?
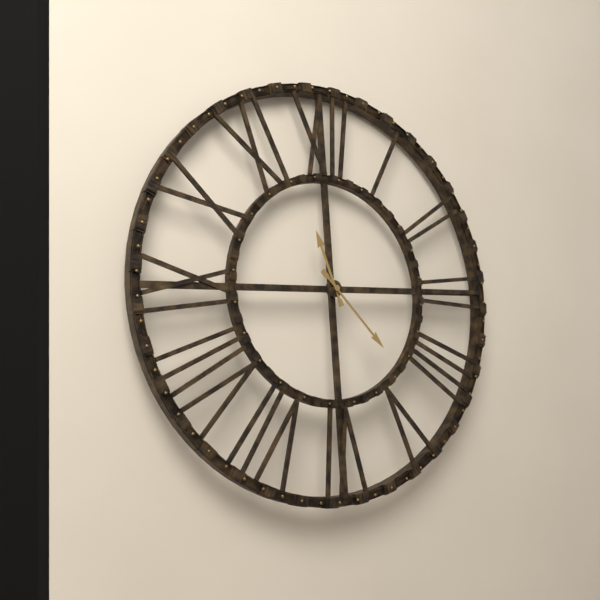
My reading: 11:23
